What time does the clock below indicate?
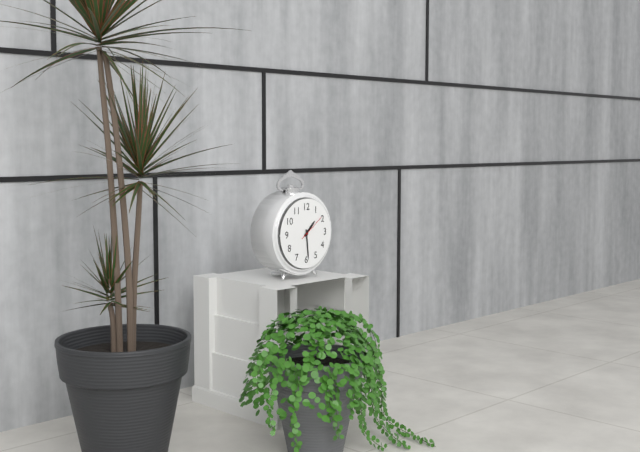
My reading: 1:29
